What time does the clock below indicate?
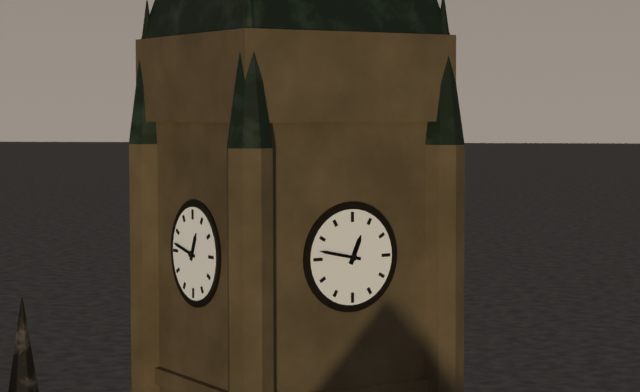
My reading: 12:47
